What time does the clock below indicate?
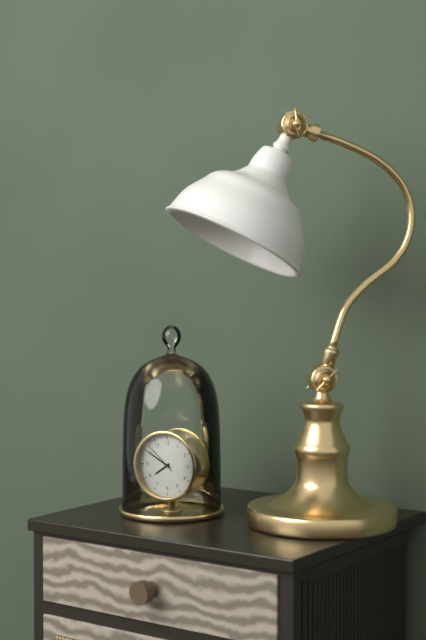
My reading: 7:50
